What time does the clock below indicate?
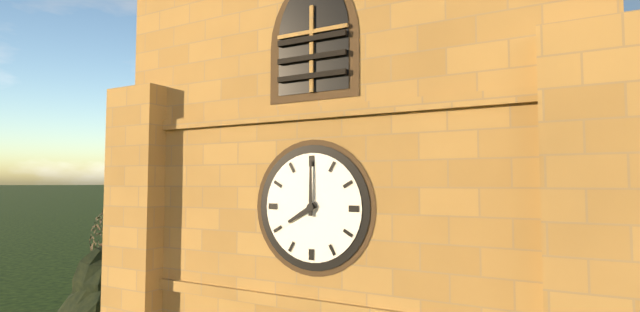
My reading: 8:00
